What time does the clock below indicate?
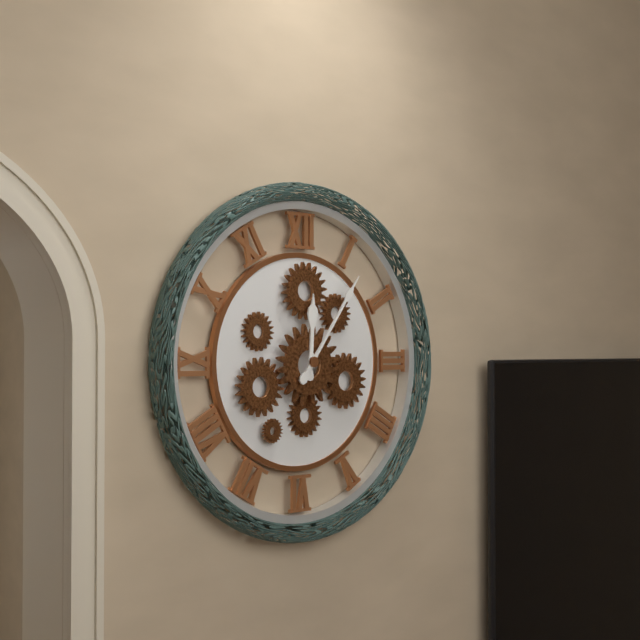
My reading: 12:06
